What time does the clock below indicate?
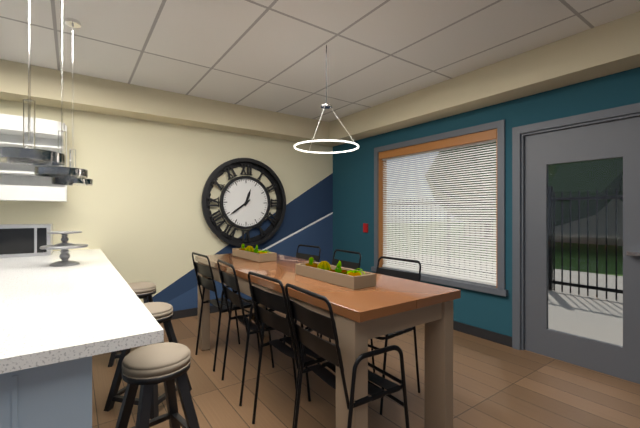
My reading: 12:39
